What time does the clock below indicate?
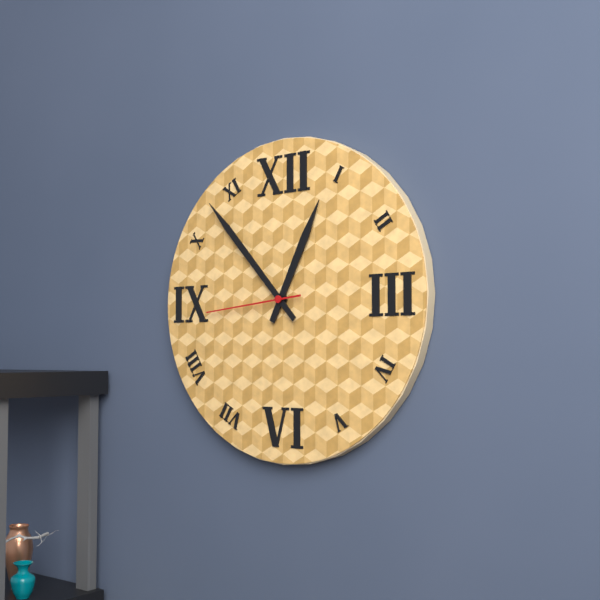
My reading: 12:53:44
